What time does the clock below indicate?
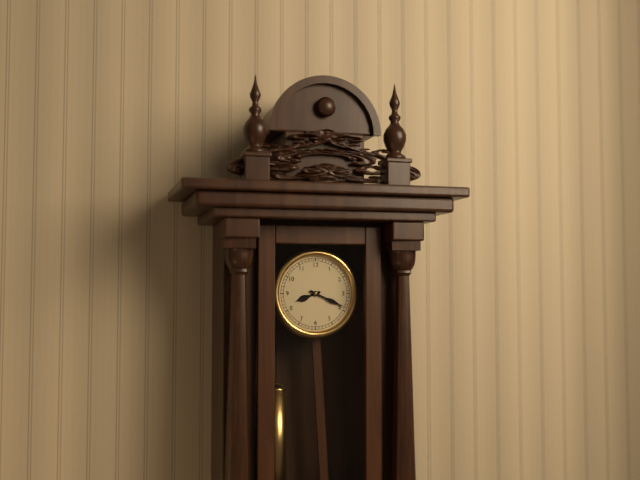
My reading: 8:19
